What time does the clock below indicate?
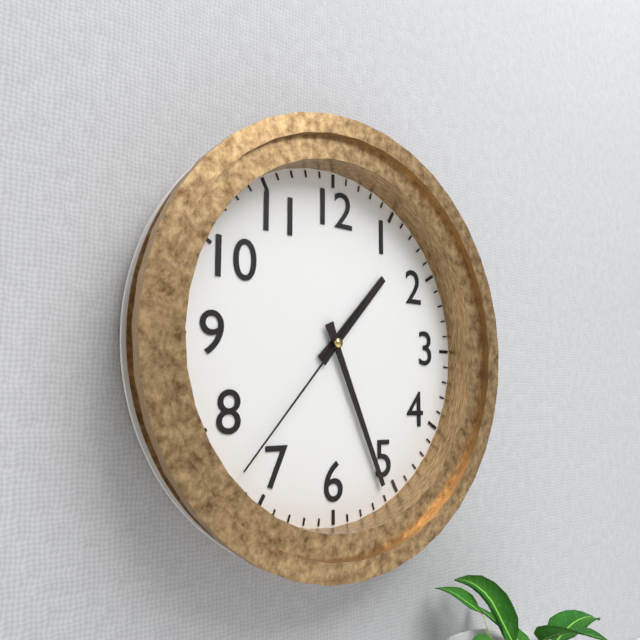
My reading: 1:26:37
